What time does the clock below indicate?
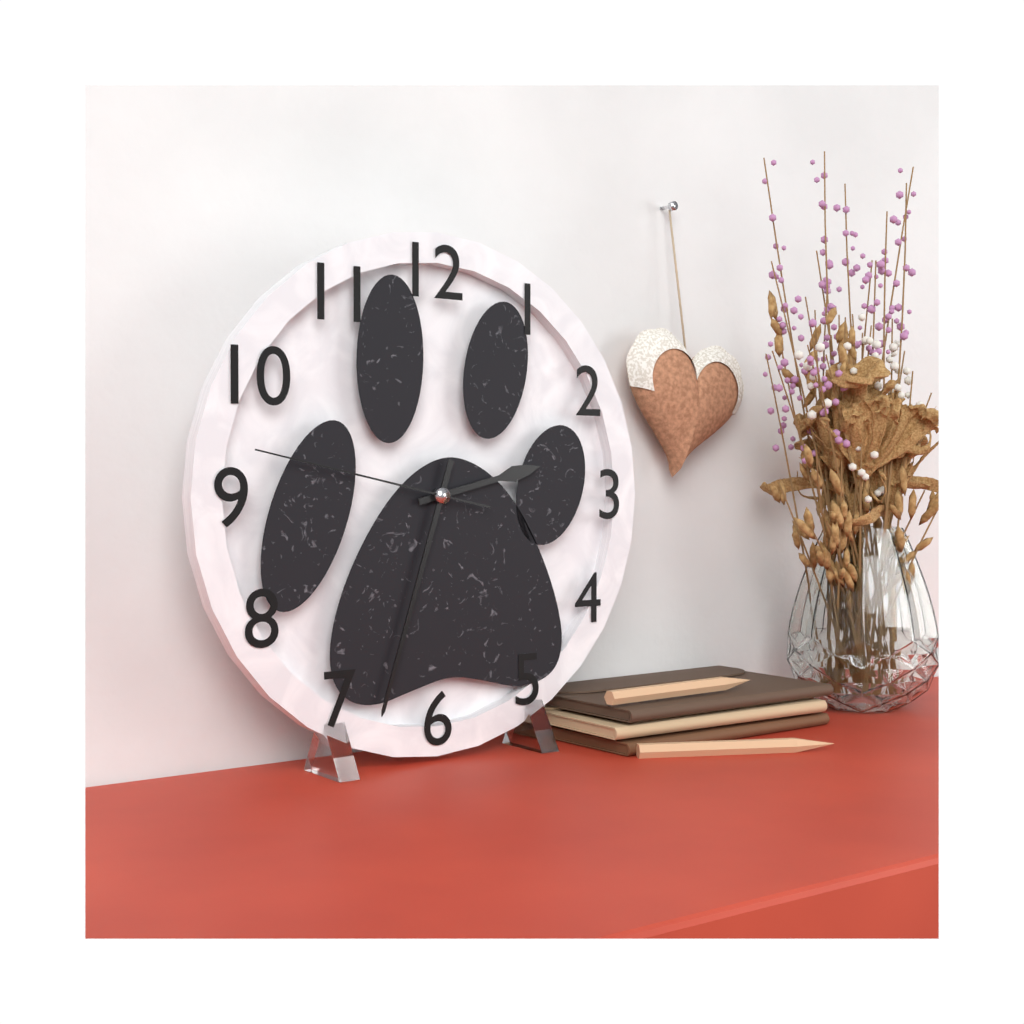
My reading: 2:33:47
